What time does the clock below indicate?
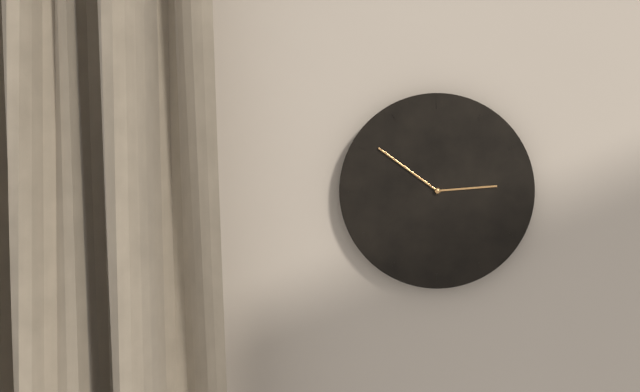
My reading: 2:51
